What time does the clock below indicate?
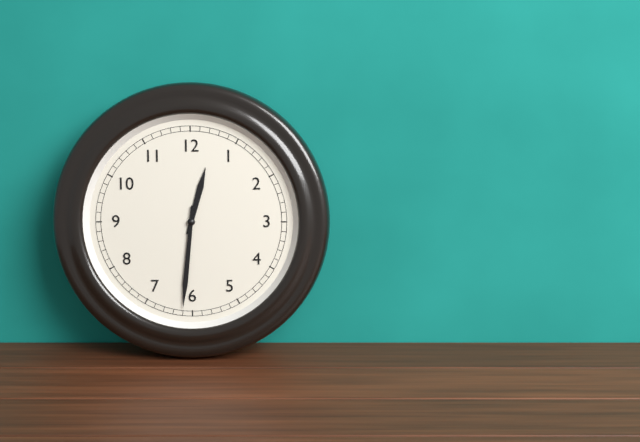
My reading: 12:31
